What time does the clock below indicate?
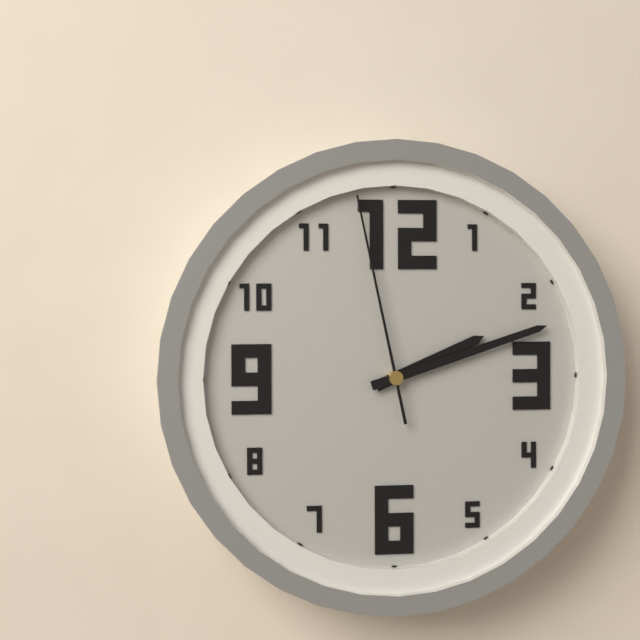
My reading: 2:12:58
